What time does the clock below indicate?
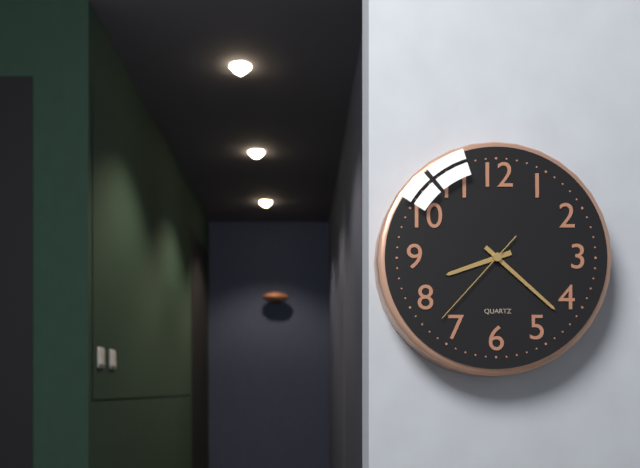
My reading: 8:22:37
